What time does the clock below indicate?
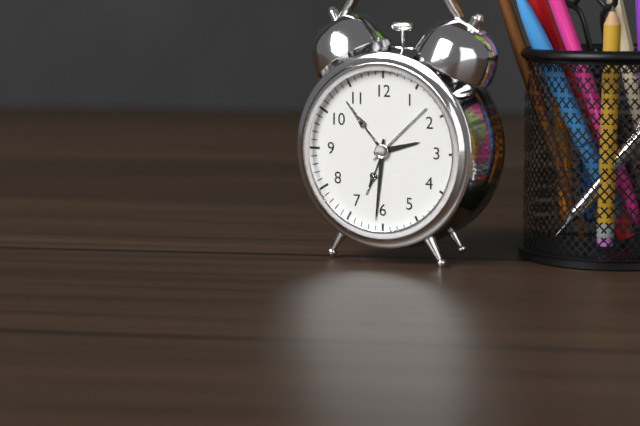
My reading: 2:31
